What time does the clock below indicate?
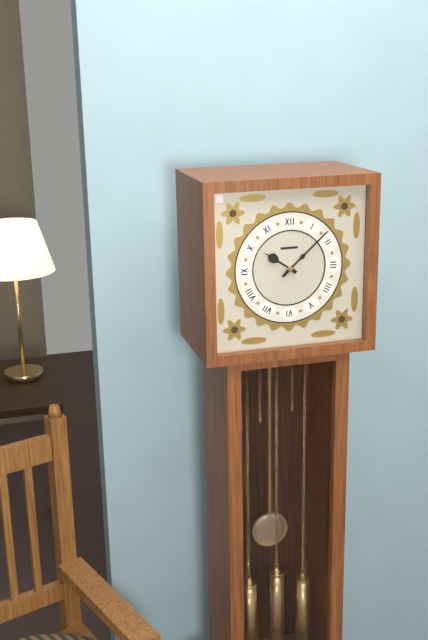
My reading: 10:08
